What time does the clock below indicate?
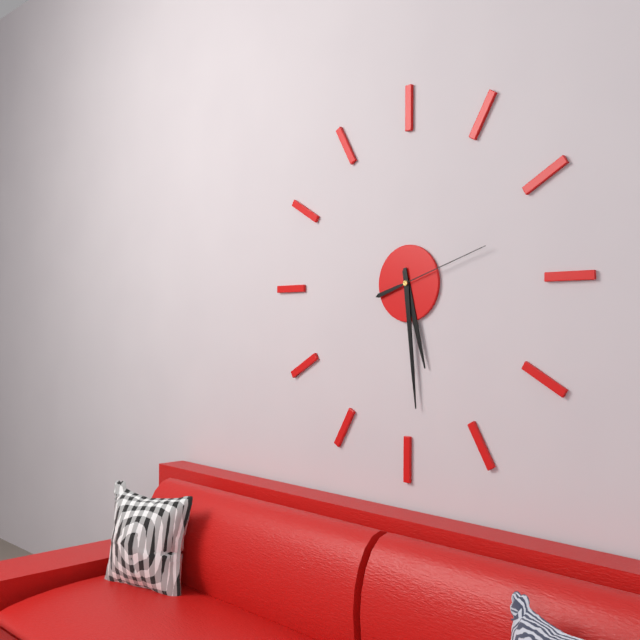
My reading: 5:29:12
